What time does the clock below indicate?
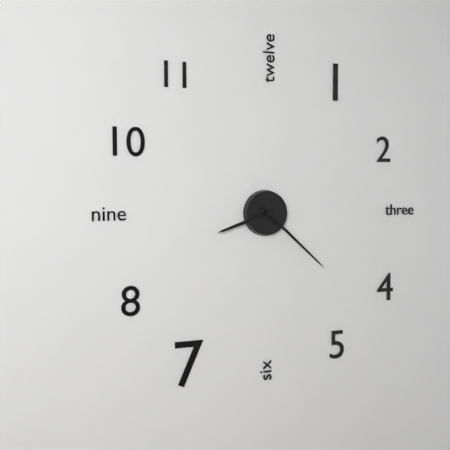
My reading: 8:22
